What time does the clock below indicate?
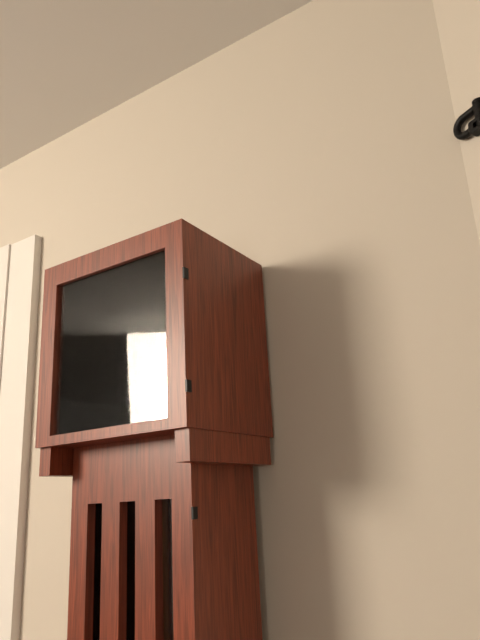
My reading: 6:00
